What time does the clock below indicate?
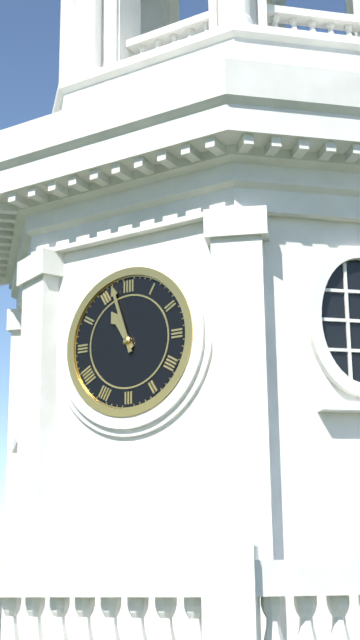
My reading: 10:57
